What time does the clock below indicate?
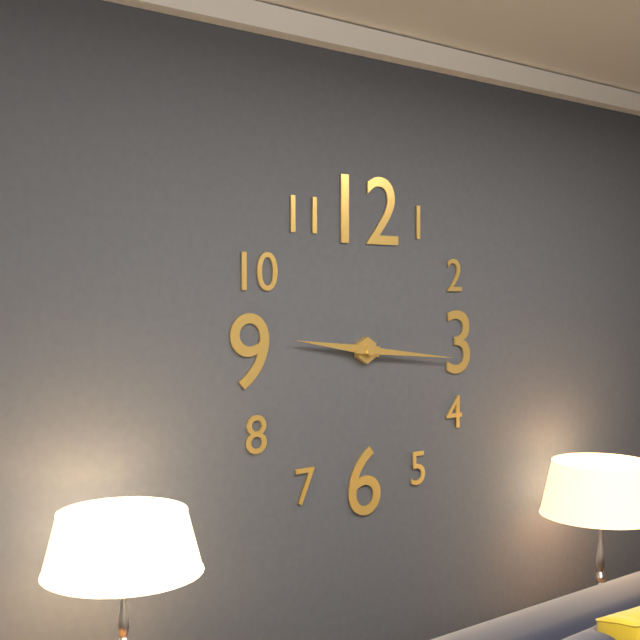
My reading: 9:16
